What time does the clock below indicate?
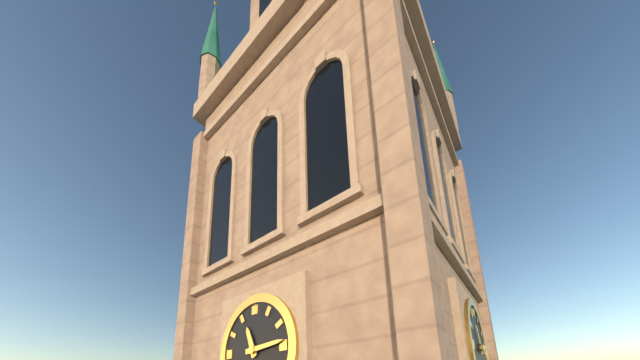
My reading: 11:14
